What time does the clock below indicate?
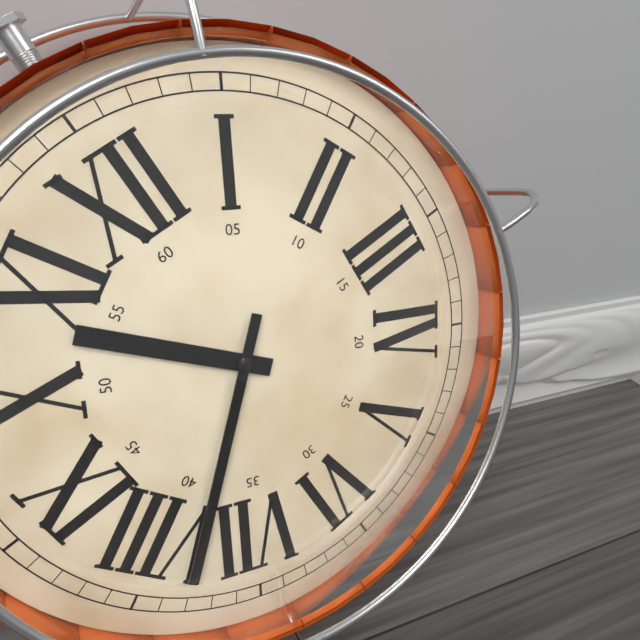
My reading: 10:38
